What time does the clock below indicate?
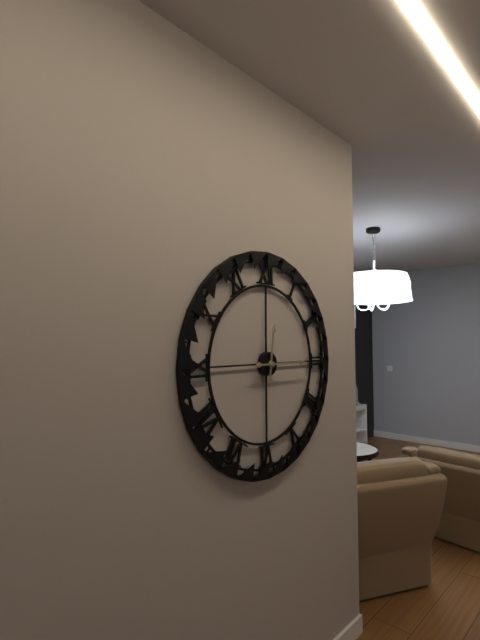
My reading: 12:15
